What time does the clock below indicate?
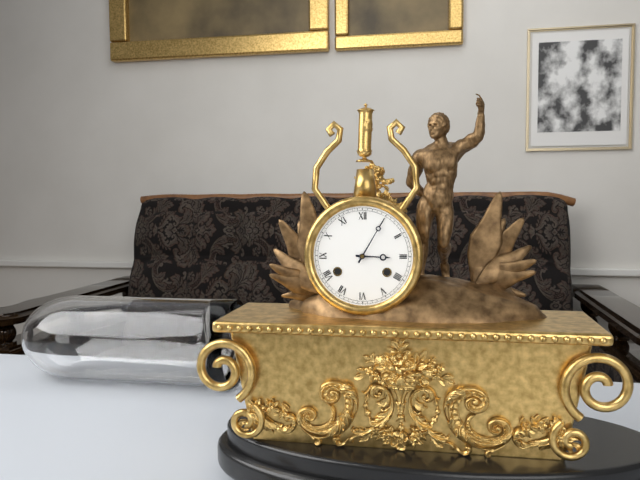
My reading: 3:05
